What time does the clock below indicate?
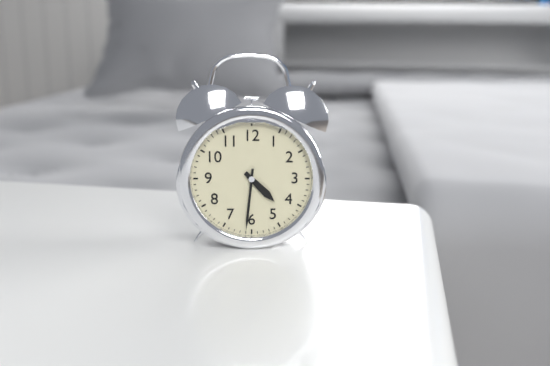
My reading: 4:31
